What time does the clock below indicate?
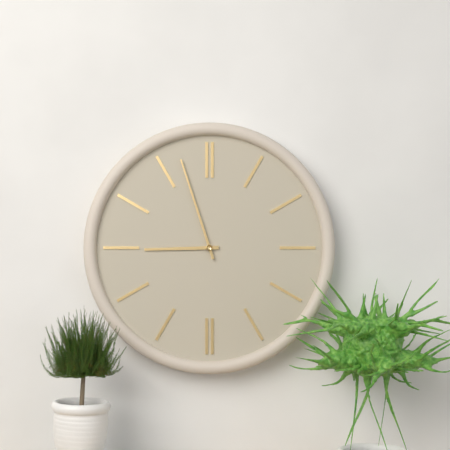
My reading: 8:57
